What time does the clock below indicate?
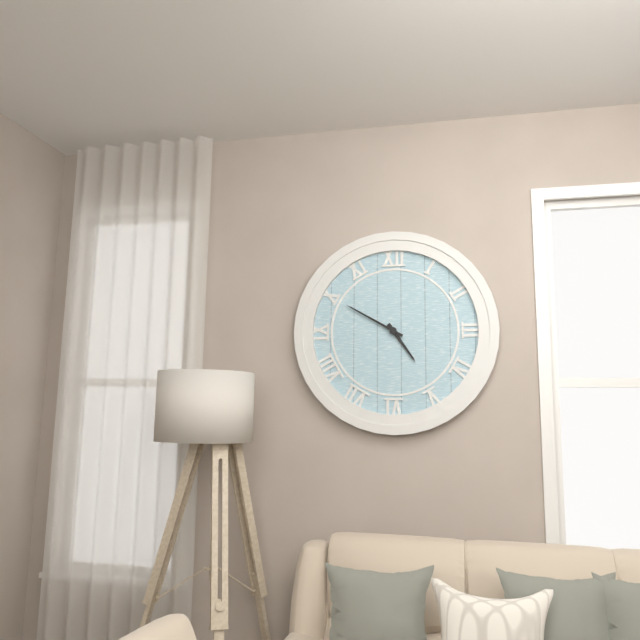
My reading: 4:50
